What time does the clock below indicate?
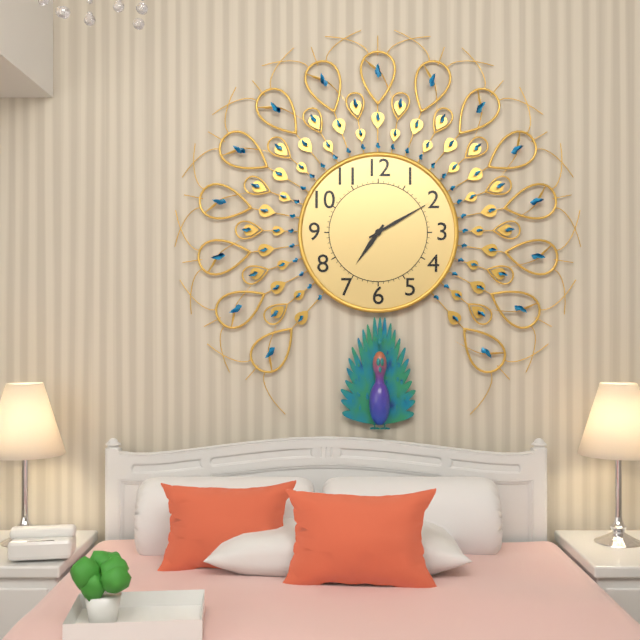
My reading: 7:10
